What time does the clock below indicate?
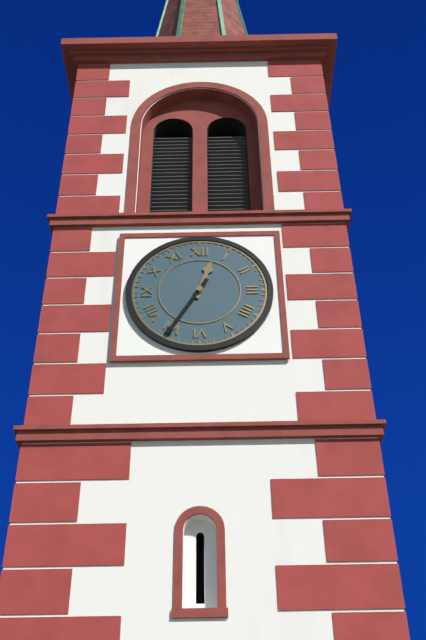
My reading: 12:35
